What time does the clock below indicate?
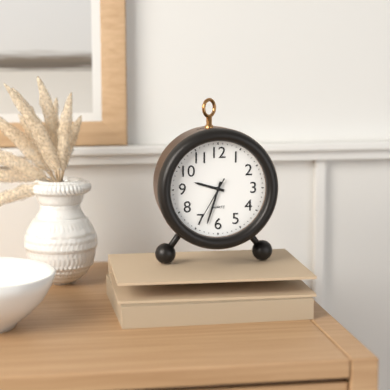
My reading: 9:33:35
